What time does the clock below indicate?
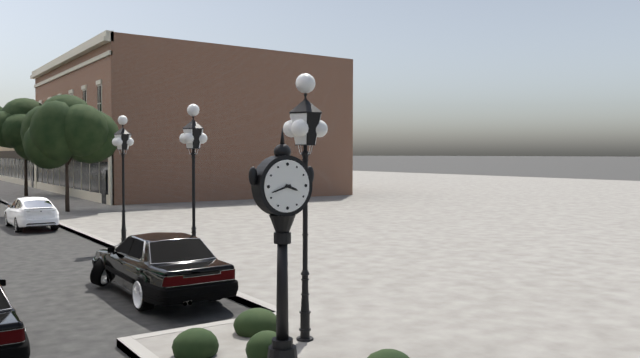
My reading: 3:42
